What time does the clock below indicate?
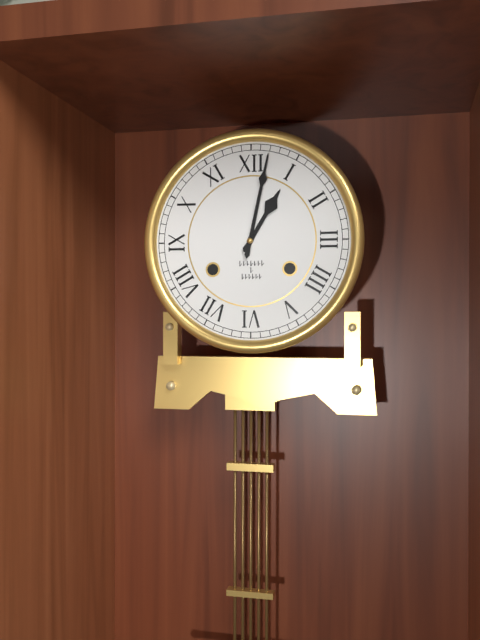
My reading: 1:02
